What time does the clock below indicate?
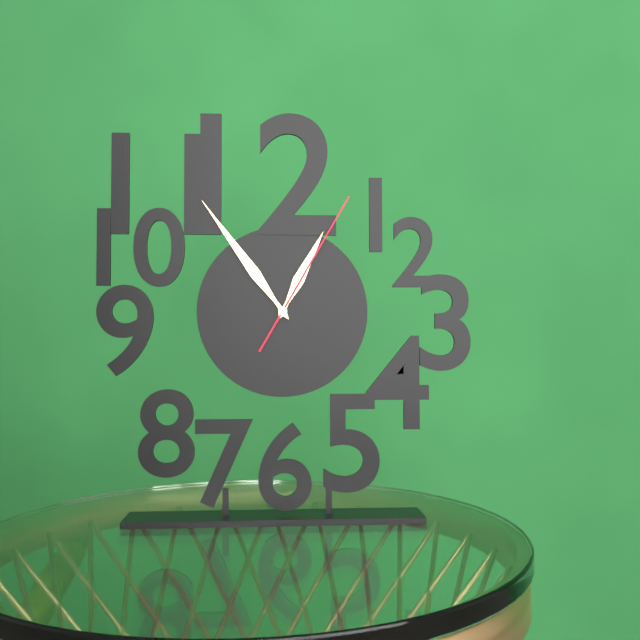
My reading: 12:54:05
